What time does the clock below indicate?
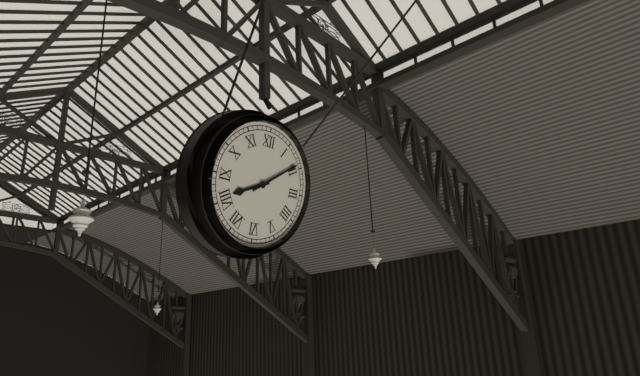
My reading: 8:09
